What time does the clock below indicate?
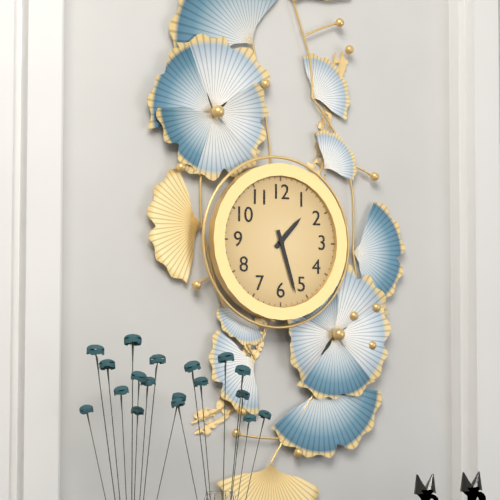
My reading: 1:27
